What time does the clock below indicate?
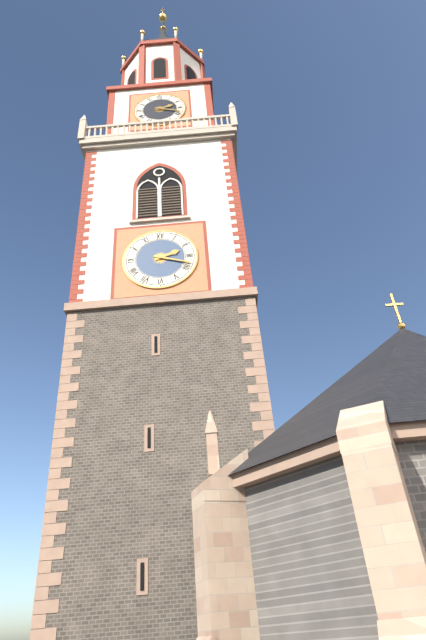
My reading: 2:18
